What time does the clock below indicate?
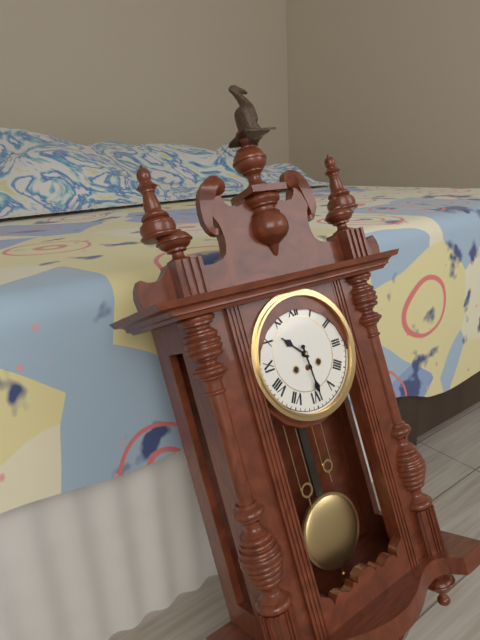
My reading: 10:29
